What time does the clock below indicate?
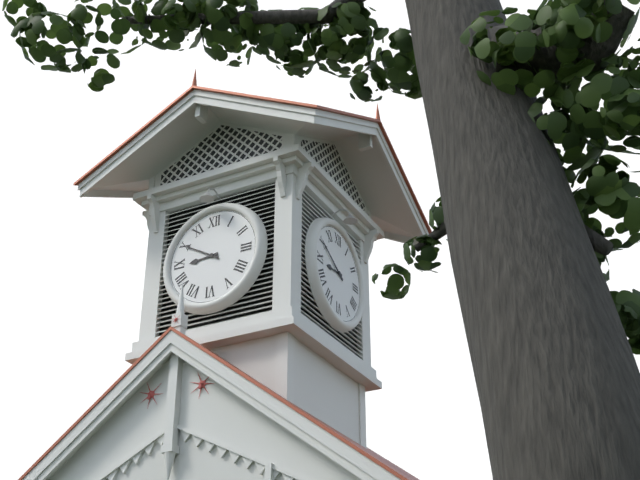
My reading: 8:50
